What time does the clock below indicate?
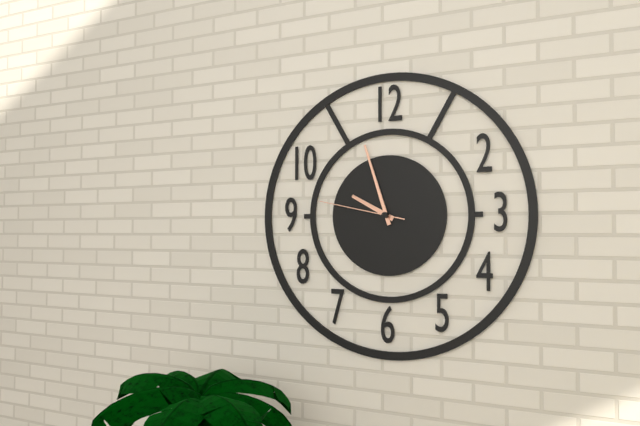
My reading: 9:57:47
